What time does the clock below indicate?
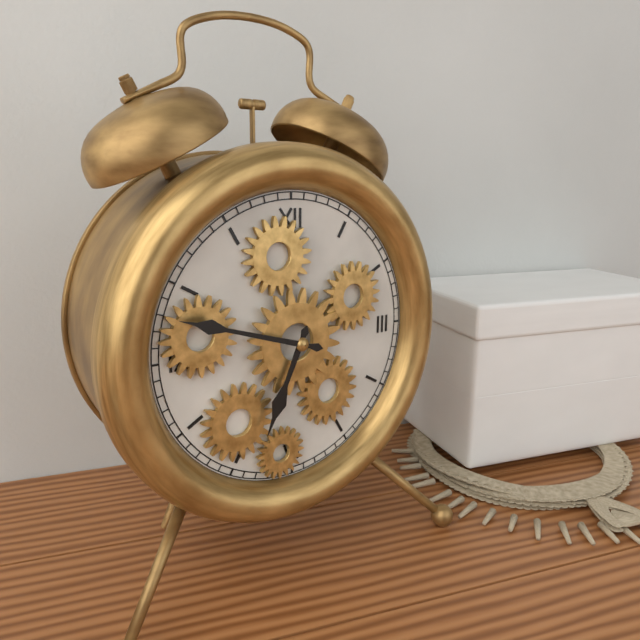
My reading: 6:48
